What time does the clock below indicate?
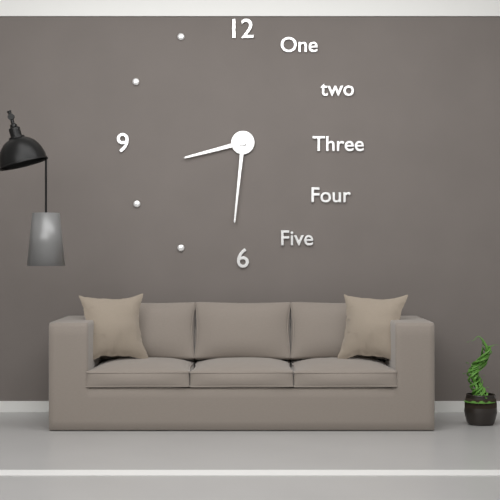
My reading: 8:31
